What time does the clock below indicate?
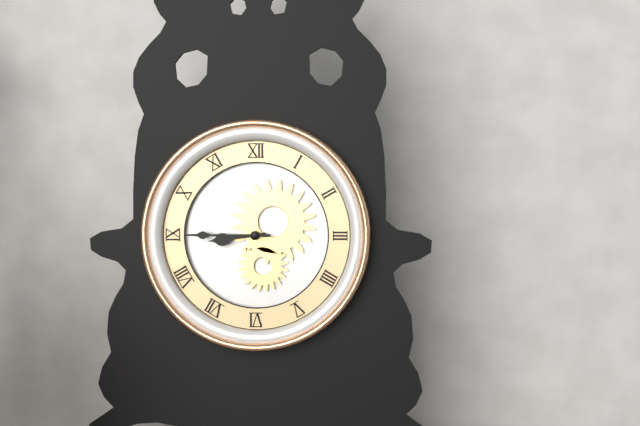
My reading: 8:45
